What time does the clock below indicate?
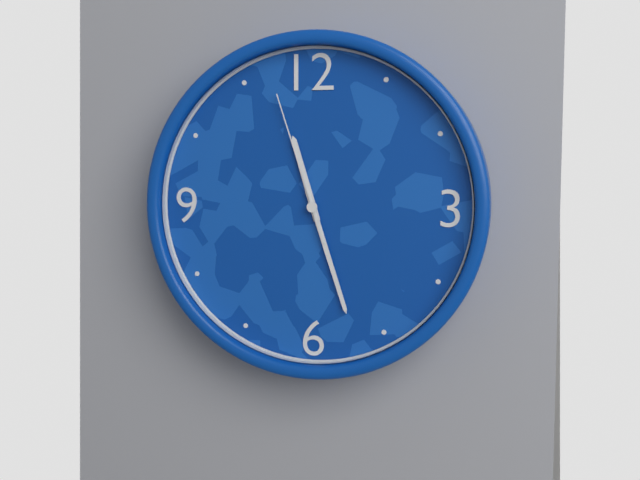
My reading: 11:27:57
